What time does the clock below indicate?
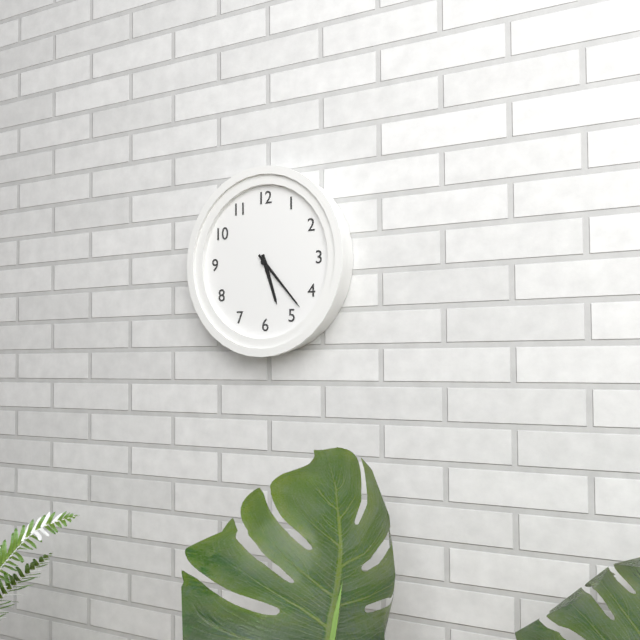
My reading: 5:23
